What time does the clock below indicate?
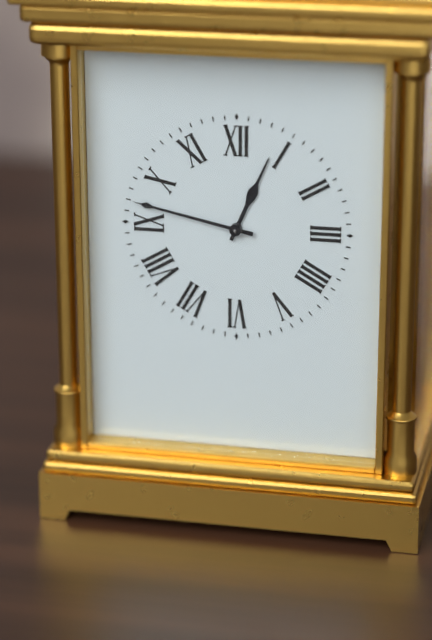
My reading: 12:47
